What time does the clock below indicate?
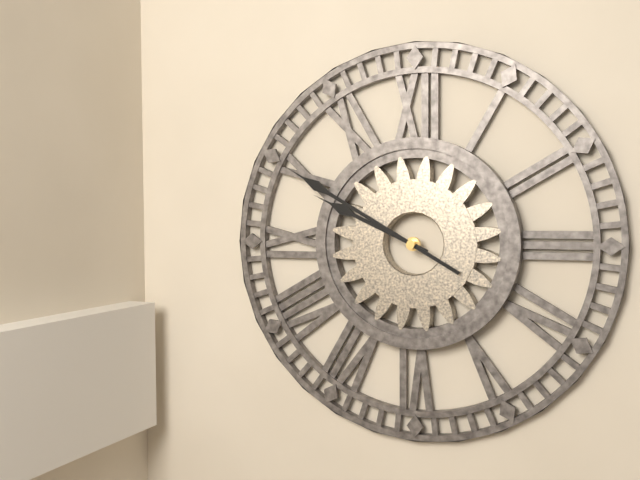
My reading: 9:50
